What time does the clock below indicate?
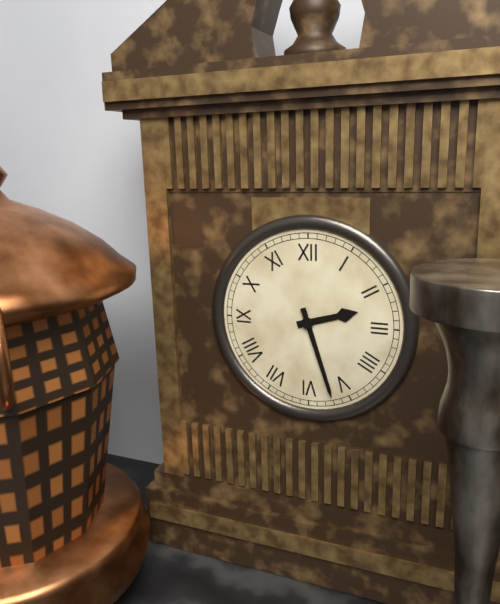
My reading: 2:27
